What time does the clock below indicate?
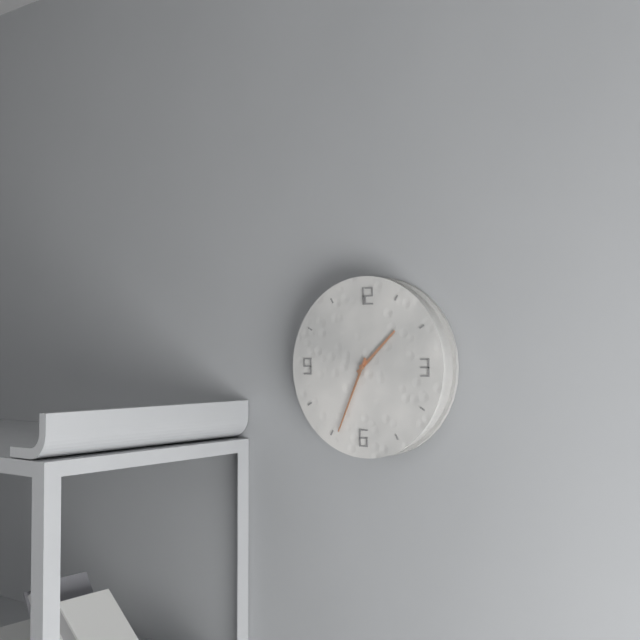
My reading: 1:34
